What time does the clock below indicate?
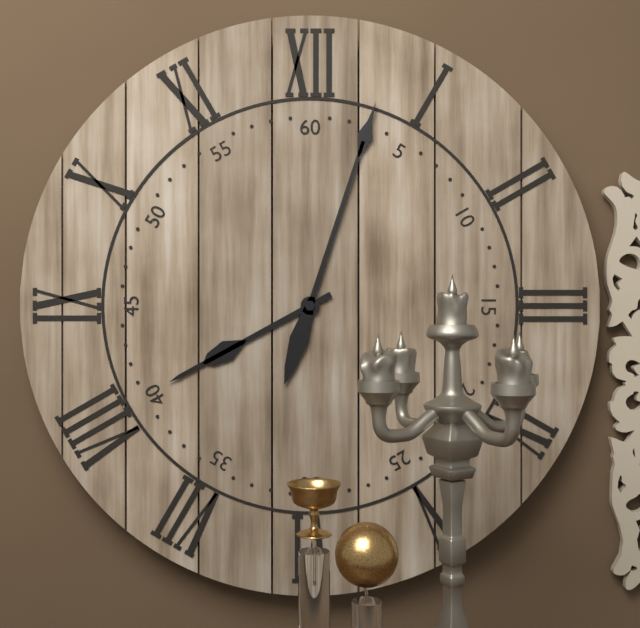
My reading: 8:03
